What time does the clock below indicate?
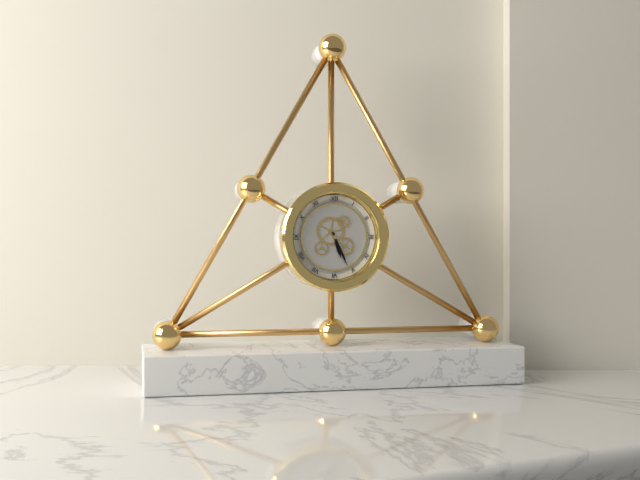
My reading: 5:26
